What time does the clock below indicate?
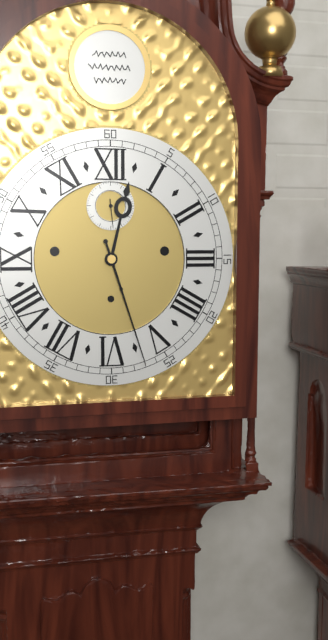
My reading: 12:27
